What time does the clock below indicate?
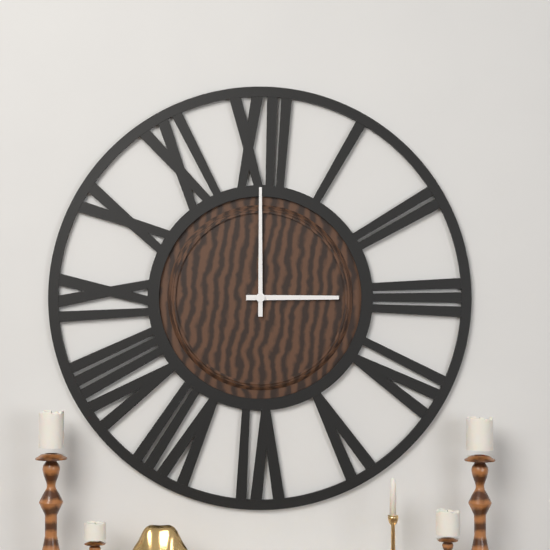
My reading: 3:00
